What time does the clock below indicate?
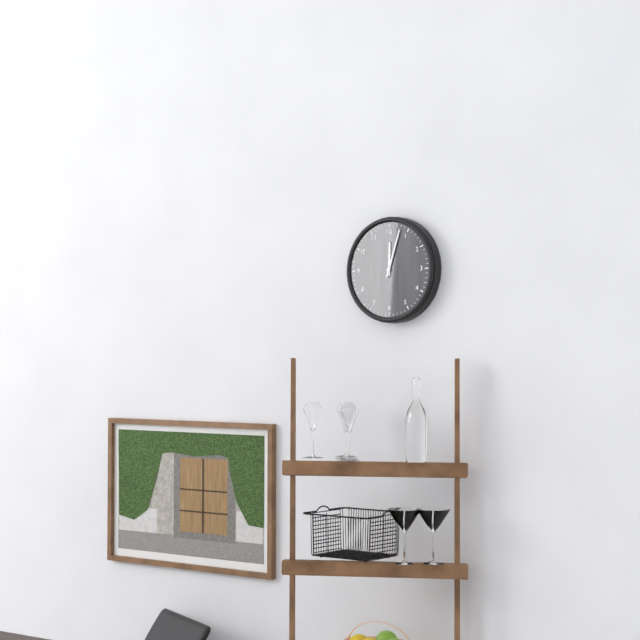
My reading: 12:03
